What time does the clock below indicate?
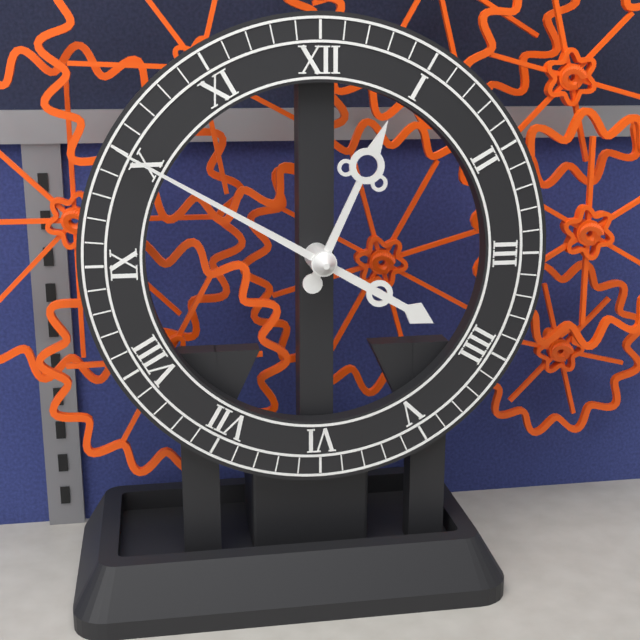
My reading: 12:50
